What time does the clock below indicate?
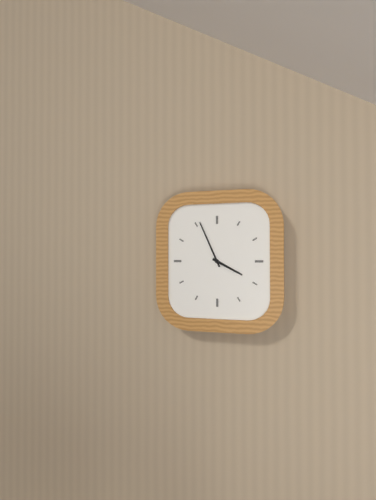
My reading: 3:56
